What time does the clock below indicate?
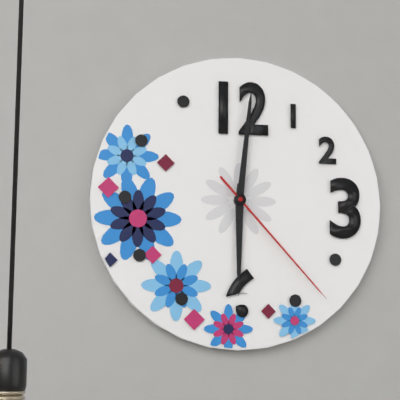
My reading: 6:01:23
